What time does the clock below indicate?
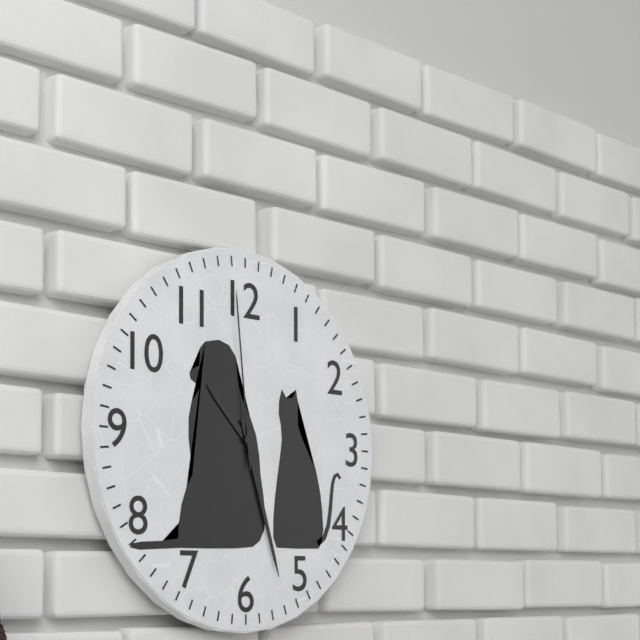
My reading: 10:27:59
